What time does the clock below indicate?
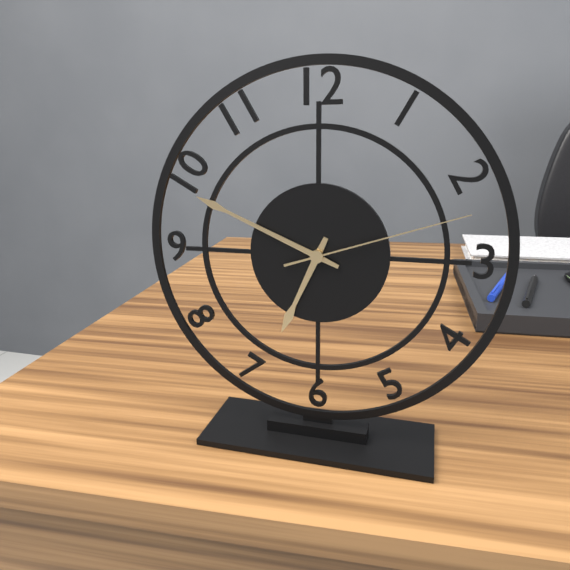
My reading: 6:49:12
